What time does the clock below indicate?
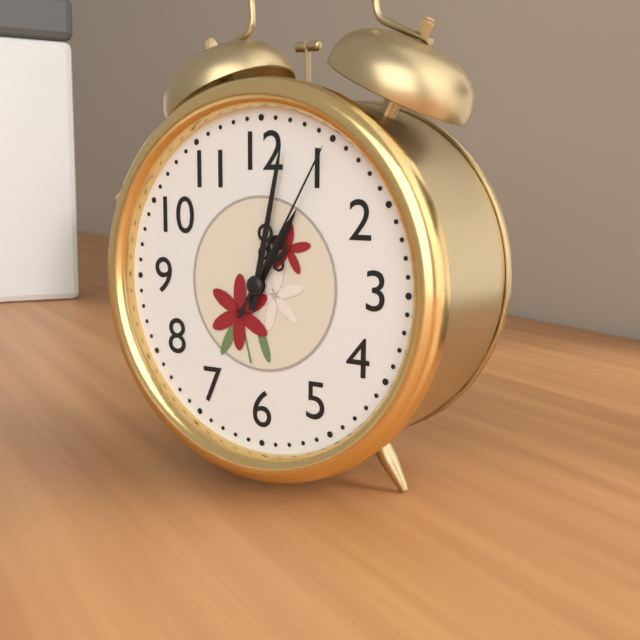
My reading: 1:02:05
